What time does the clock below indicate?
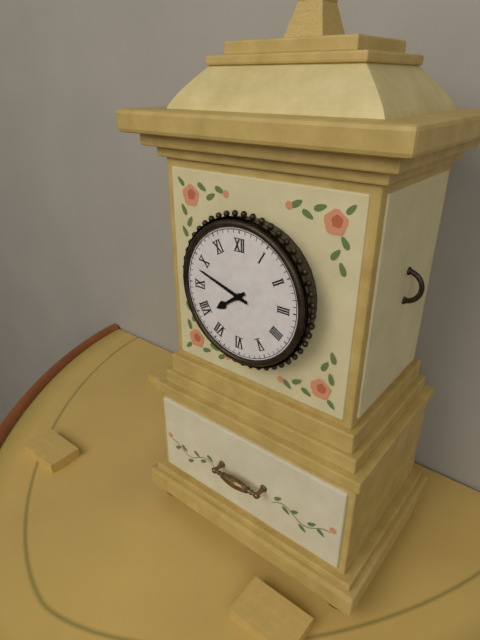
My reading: 7:48
